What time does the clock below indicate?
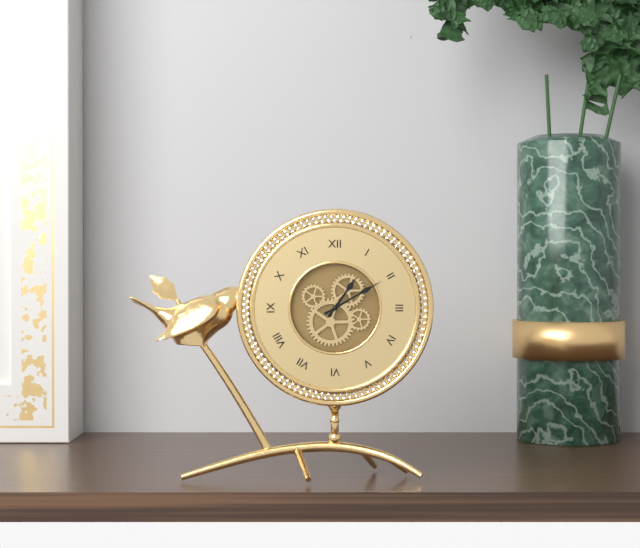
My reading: 1:10
